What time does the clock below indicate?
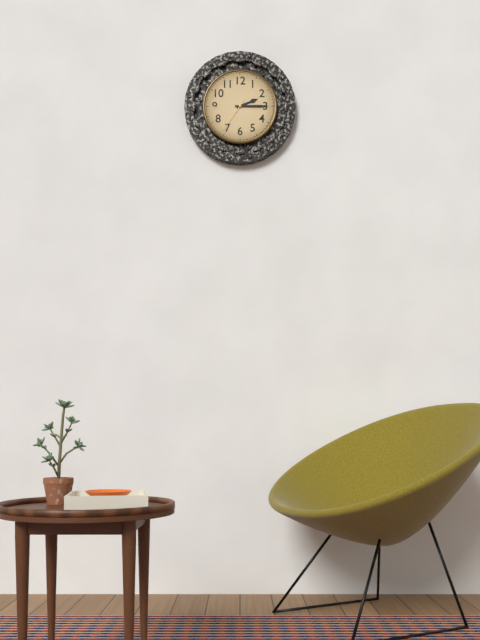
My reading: 2:15
